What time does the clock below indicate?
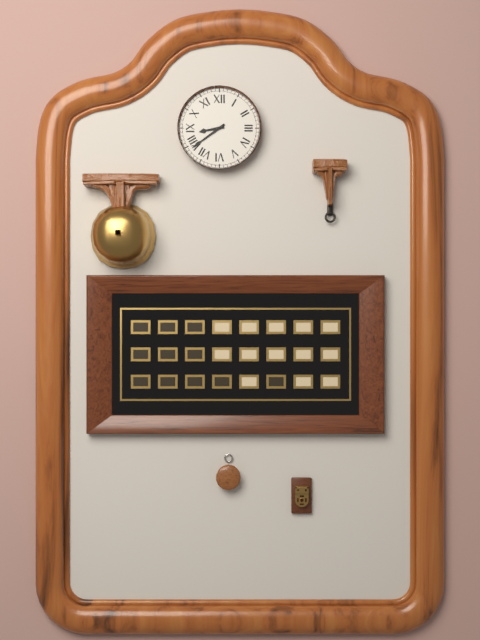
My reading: 8:39
